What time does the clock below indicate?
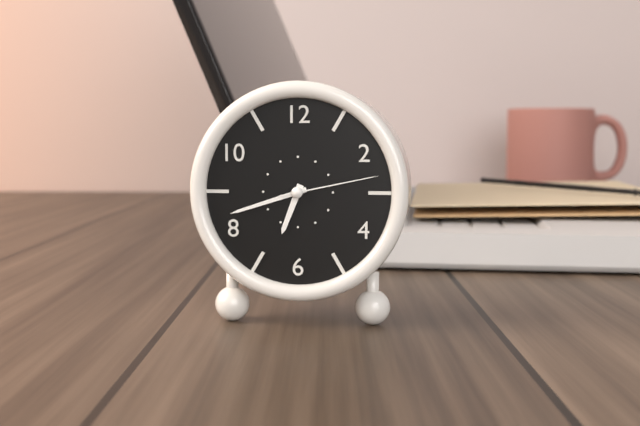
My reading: 6:42:13
